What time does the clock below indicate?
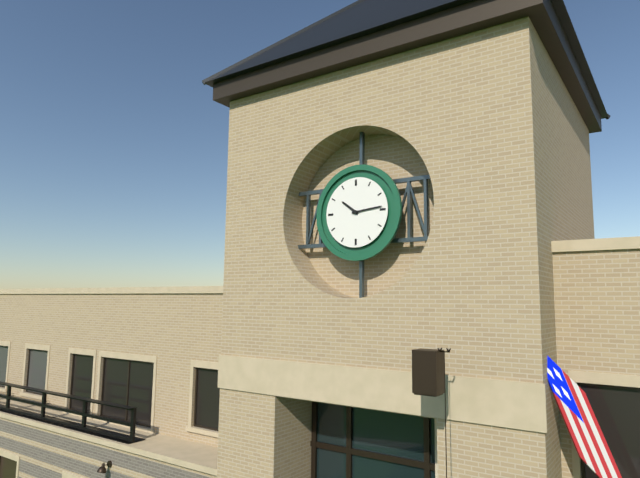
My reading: 10:14
